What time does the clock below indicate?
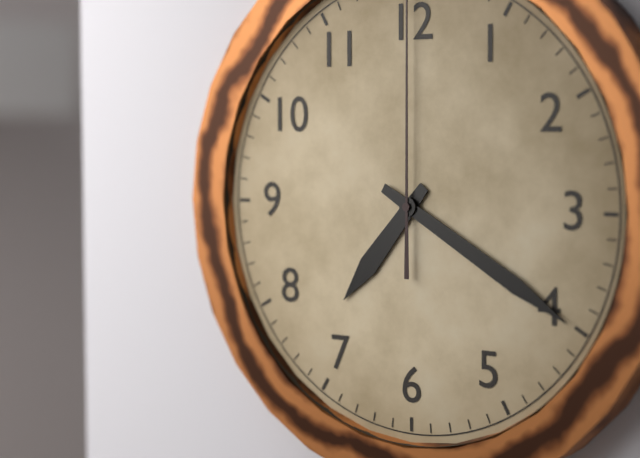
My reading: 7:20
